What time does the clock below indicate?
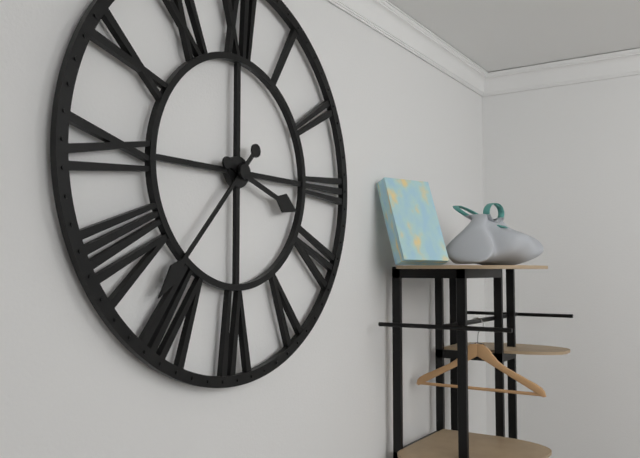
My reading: 3:37
